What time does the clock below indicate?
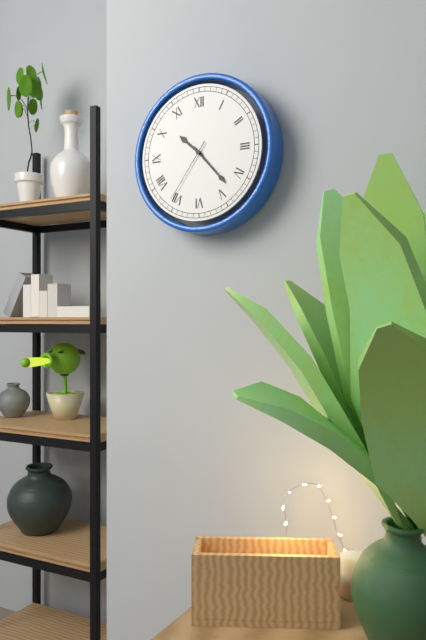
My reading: 10:23:36
